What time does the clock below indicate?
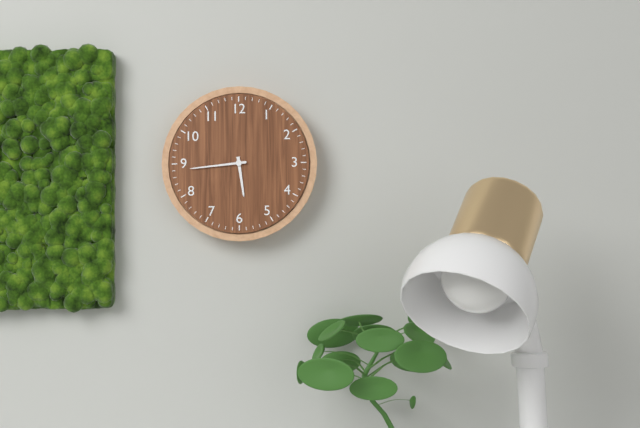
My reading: 5:44
